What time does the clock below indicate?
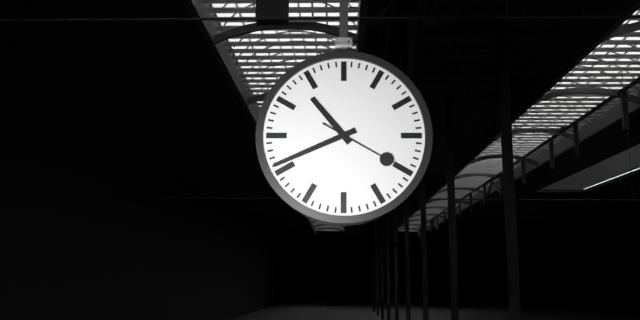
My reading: 10:41:20
